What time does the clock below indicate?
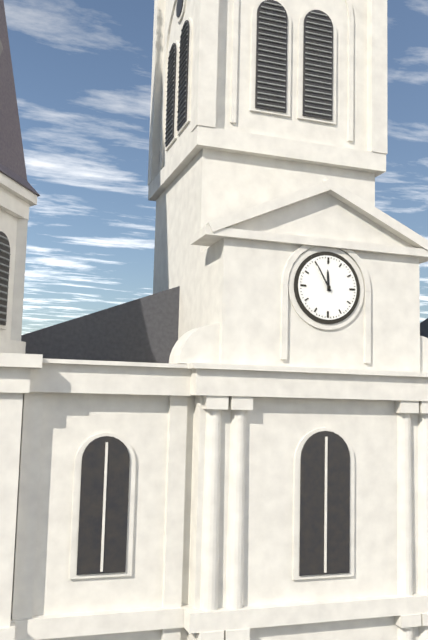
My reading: 11:55
